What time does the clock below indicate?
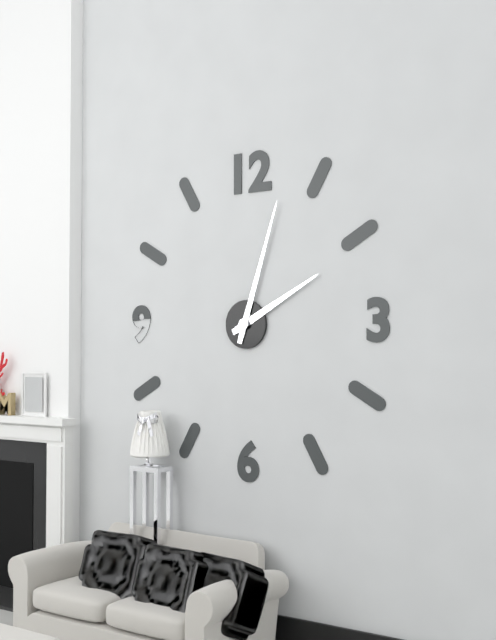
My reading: 2:03
